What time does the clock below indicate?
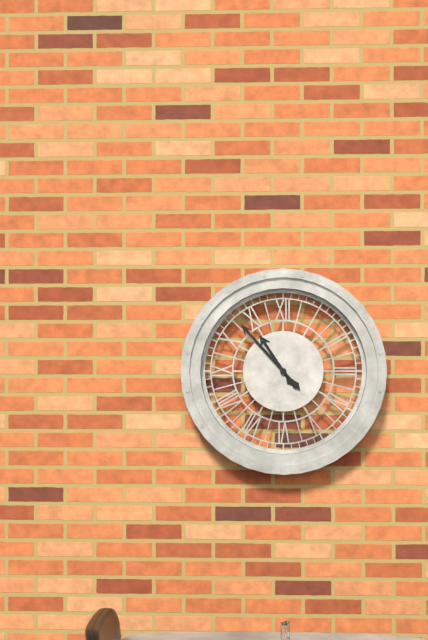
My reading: 10:53
